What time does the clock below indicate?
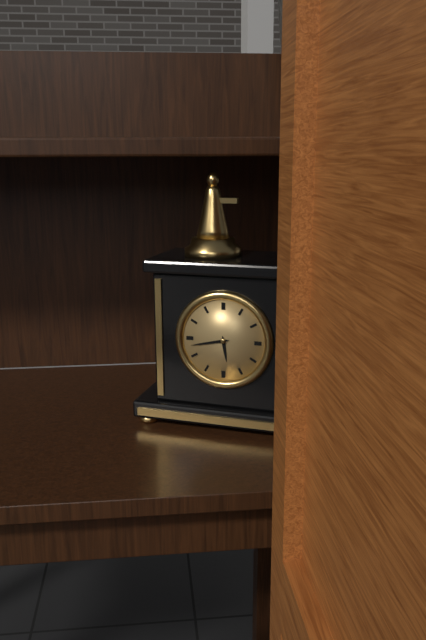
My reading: 5:43
